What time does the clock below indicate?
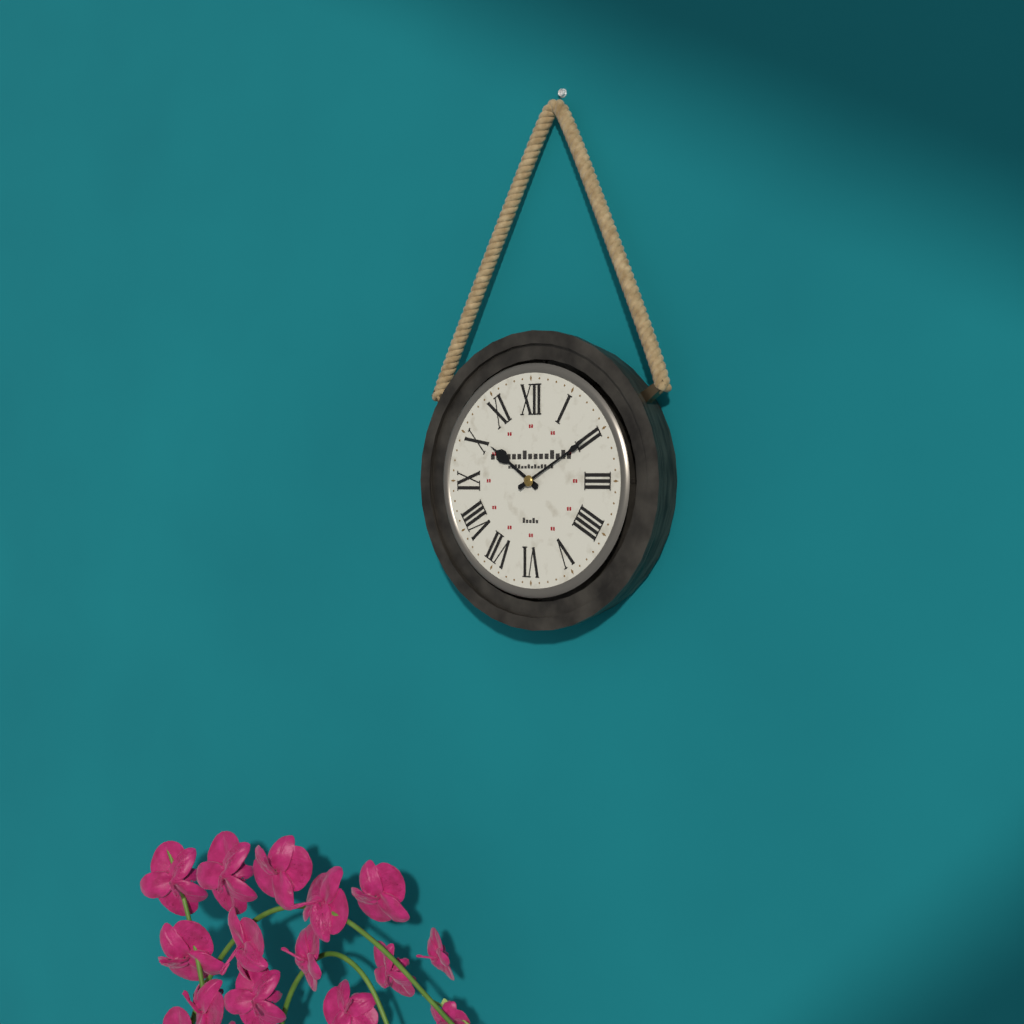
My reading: 10:10
